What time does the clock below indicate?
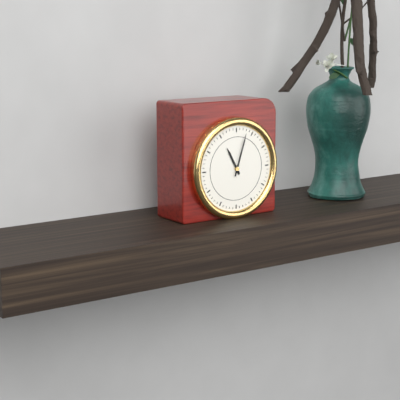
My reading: 11:03
